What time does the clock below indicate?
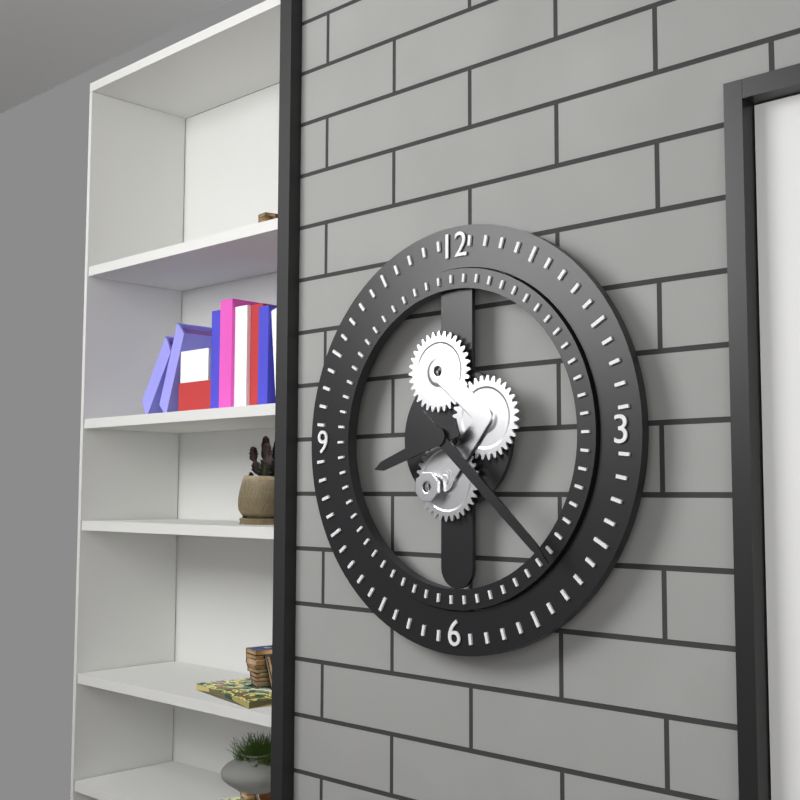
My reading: 8:22
